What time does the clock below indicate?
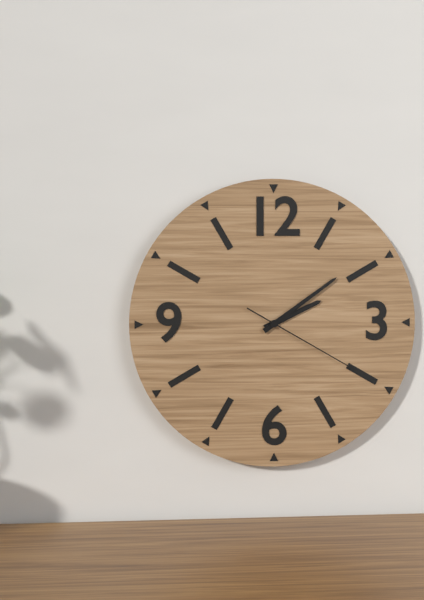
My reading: 2:09:20
